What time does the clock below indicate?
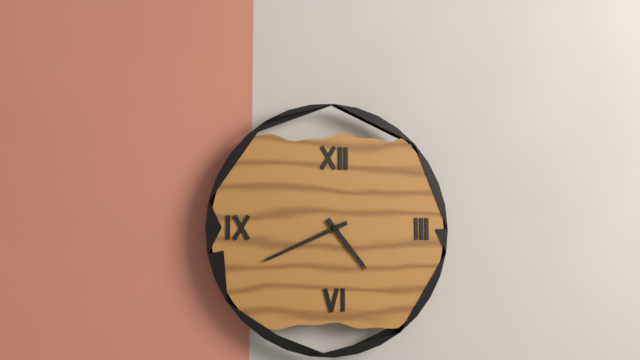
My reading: 4:41
